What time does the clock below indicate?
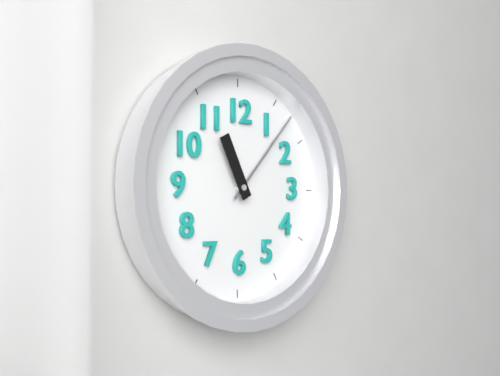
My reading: 11:07
